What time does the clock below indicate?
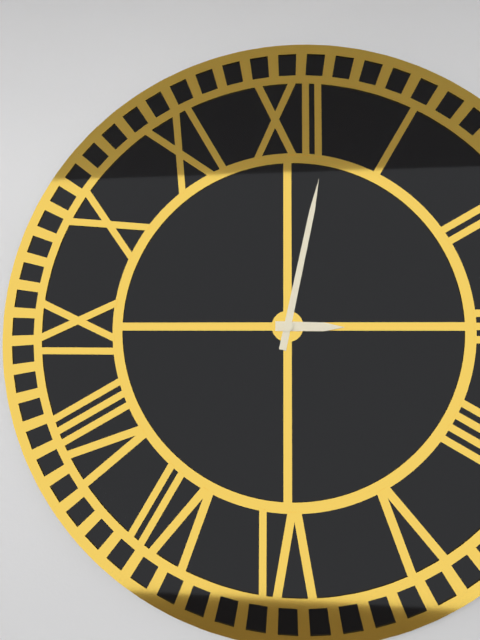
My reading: 3:02
